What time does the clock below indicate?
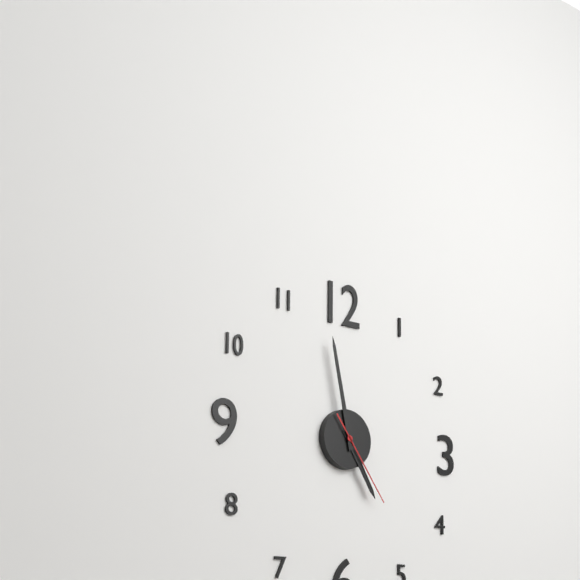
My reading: 4:58:24
